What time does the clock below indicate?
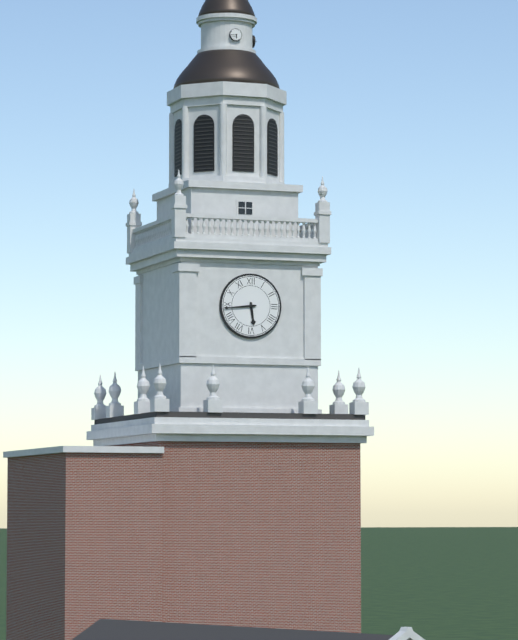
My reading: 5:44
